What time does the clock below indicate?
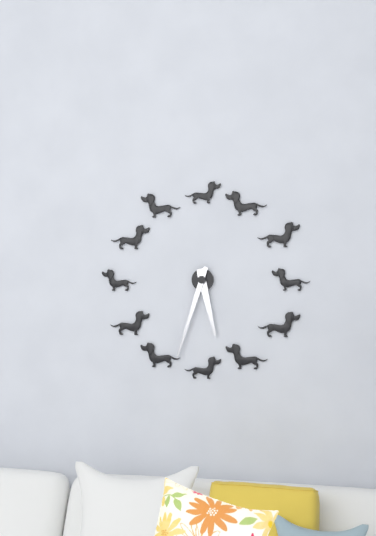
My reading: 5:33
